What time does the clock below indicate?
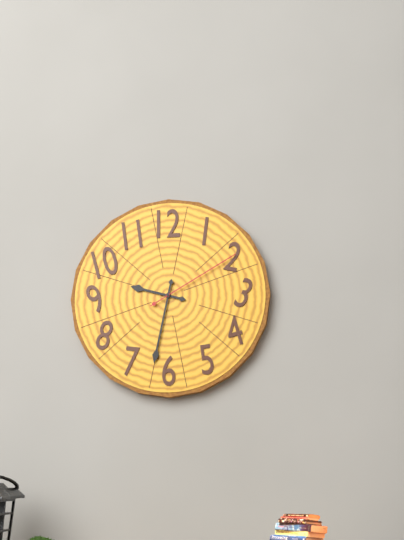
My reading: 9:32:10
